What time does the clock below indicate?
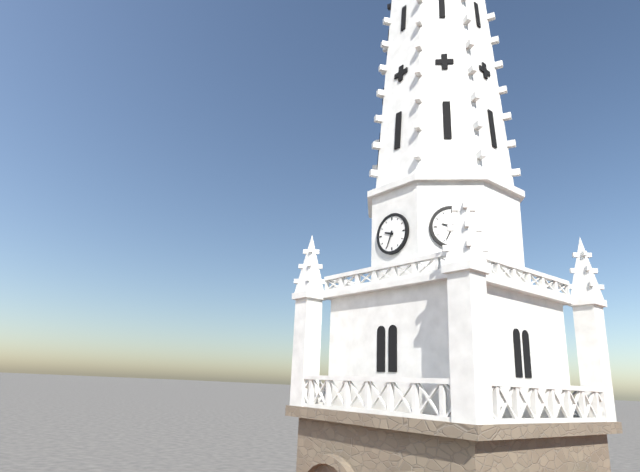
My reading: 9:34
